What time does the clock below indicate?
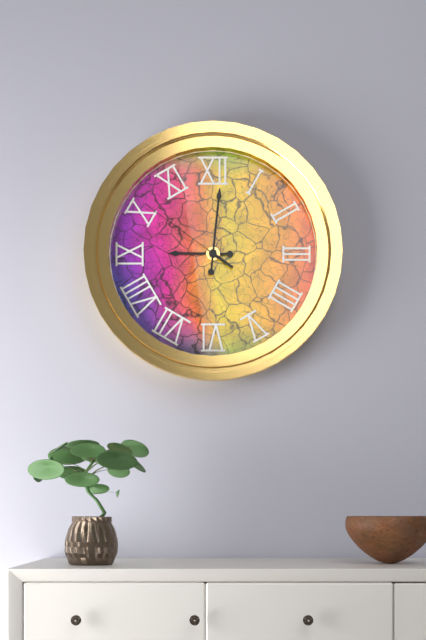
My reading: 9:01:51
